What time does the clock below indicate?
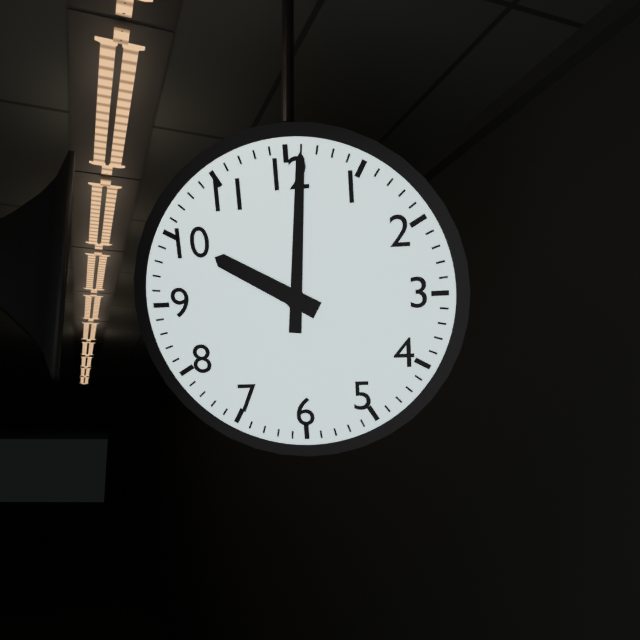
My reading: 10:01
